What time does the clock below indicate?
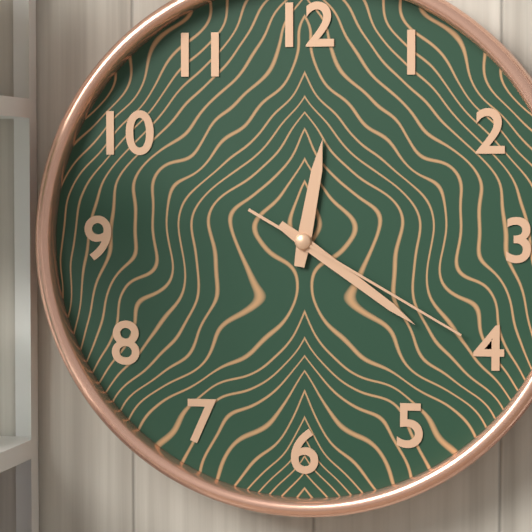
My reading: 12:21:20
